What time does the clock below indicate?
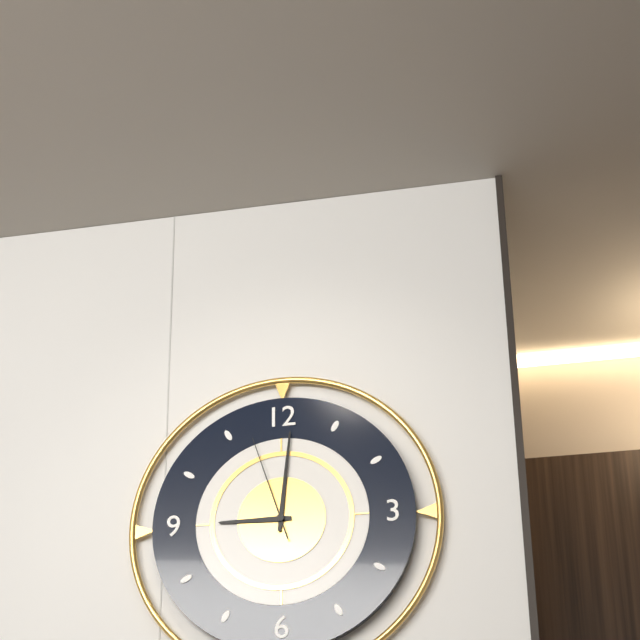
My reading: 9:01:57
